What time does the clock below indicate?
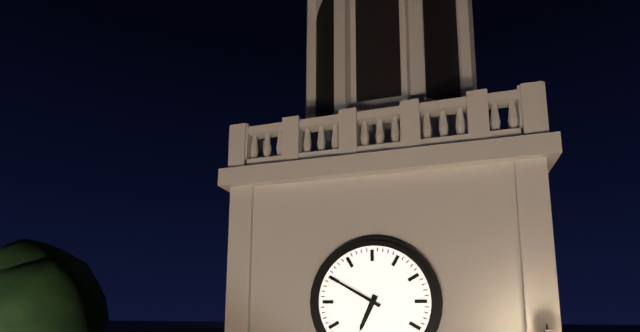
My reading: 6:50
